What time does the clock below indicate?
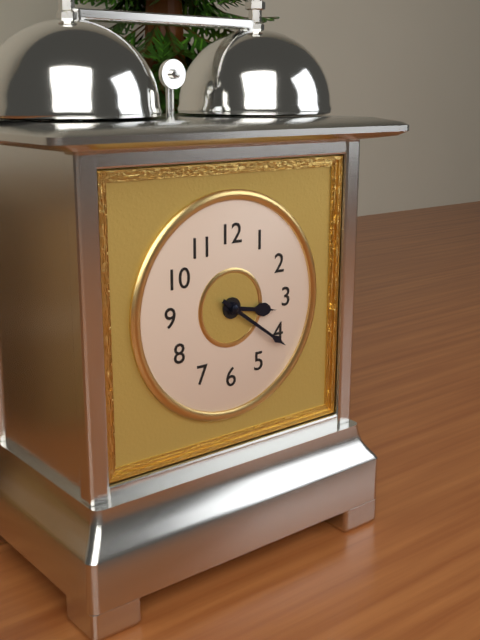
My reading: 3:21
